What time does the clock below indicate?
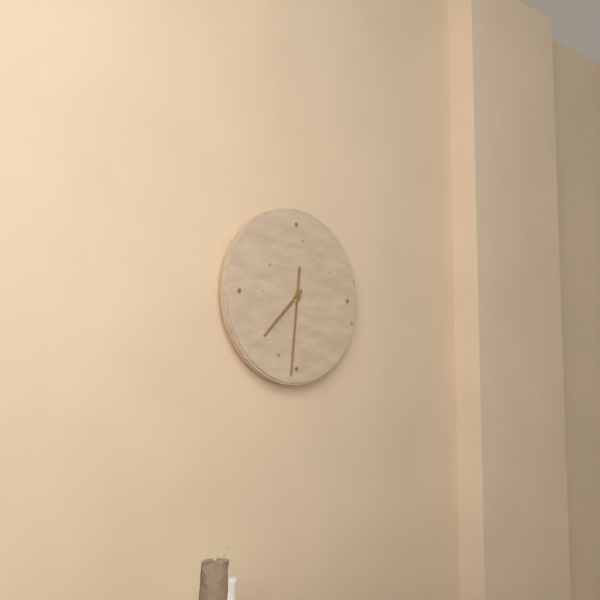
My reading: 7:31
